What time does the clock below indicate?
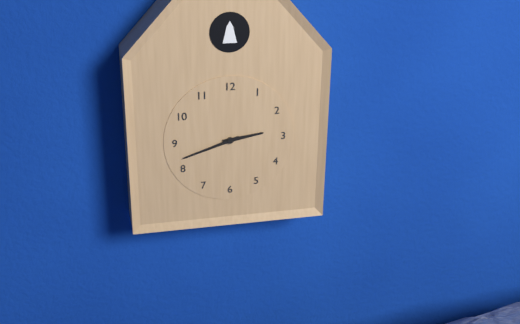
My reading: 2:42
